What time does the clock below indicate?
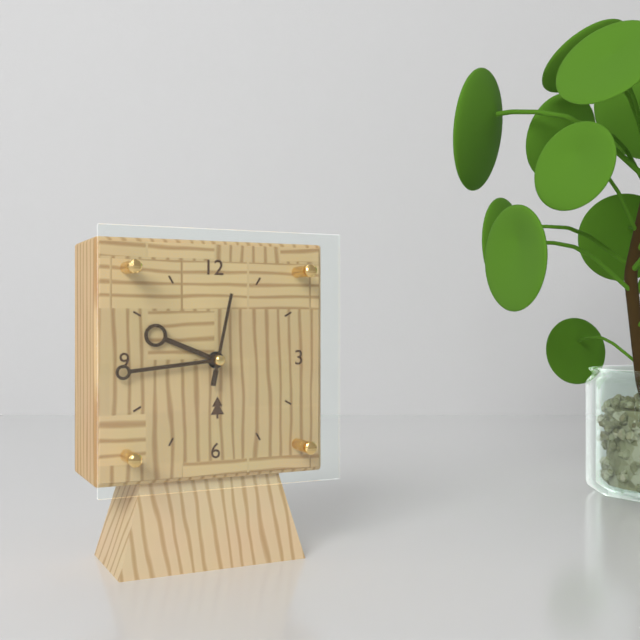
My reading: 9:44:02
